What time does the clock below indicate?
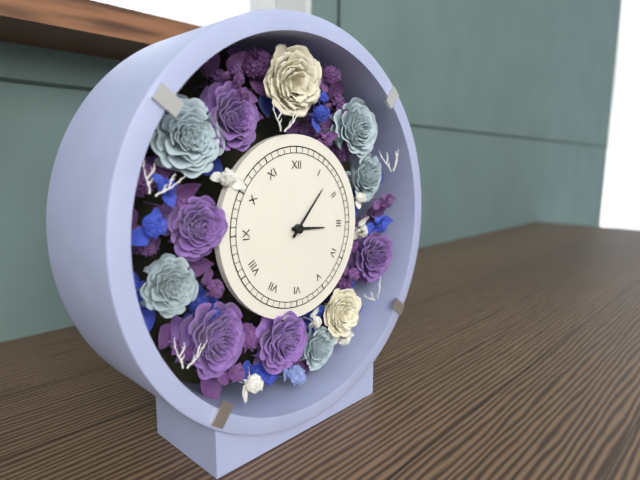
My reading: 3:07
